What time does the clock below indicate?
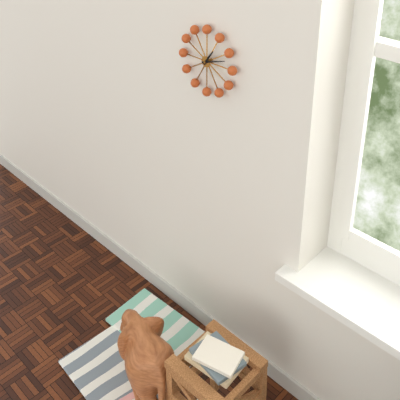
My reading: 1:12
